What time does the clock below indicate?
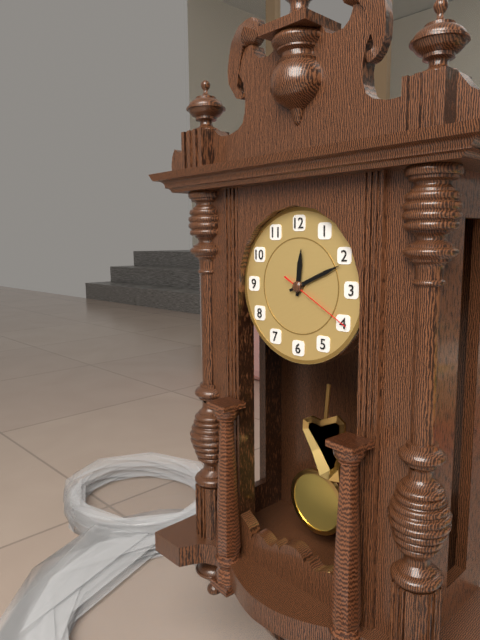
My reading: 12:11:20
